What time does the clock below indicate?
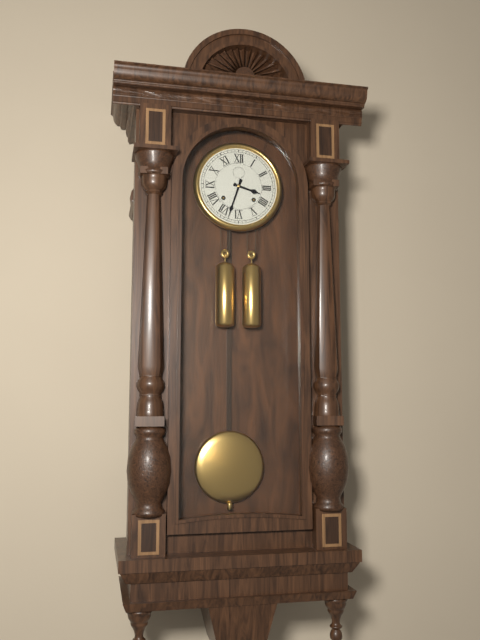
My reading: 3:33
